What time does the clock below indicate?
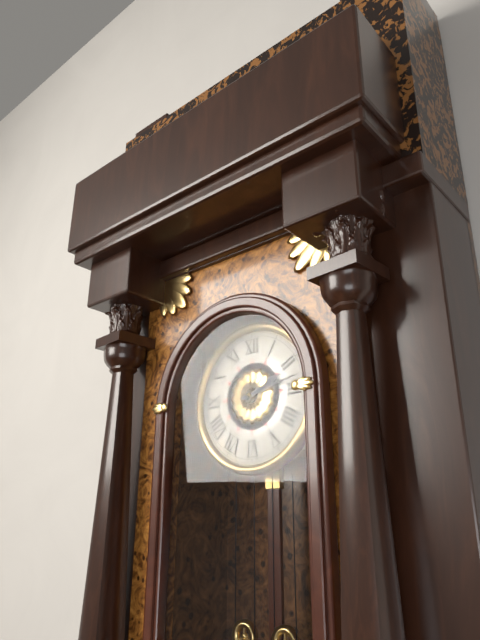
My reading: 2:13
